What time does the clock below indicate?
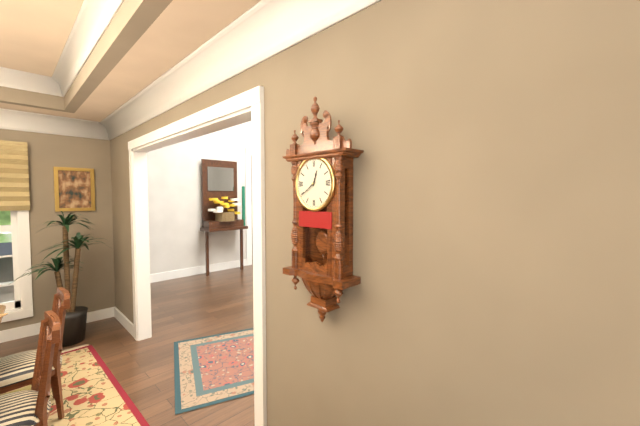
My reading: 12:39
